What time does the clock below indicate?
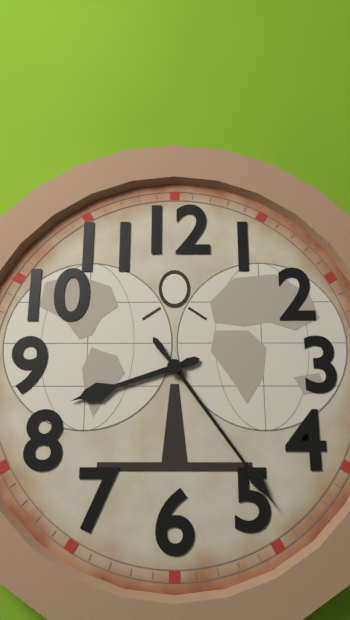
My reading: 8:24
